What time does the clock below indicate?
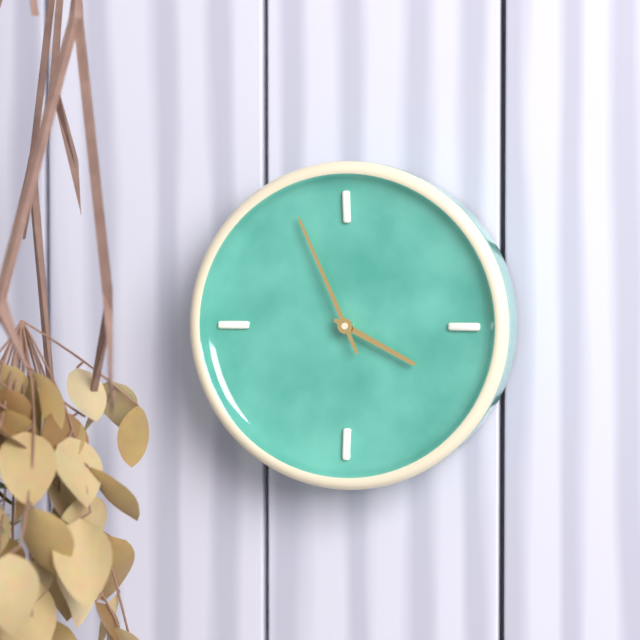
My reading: 3:56
